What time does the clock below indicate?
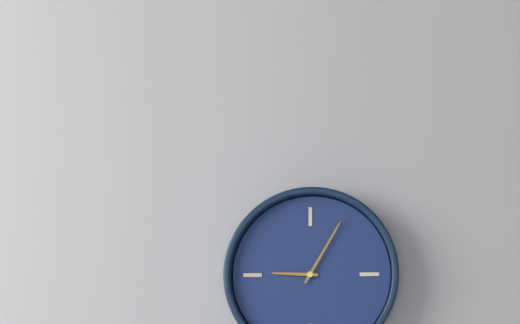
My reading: 9:05
